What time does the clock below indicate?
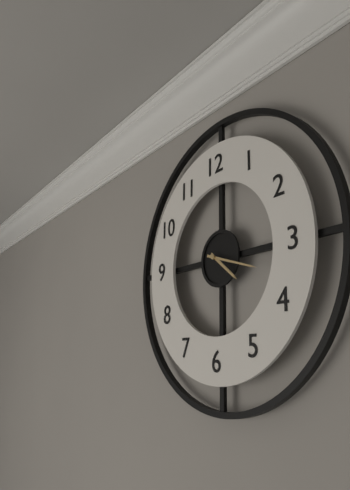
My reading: 4:18
